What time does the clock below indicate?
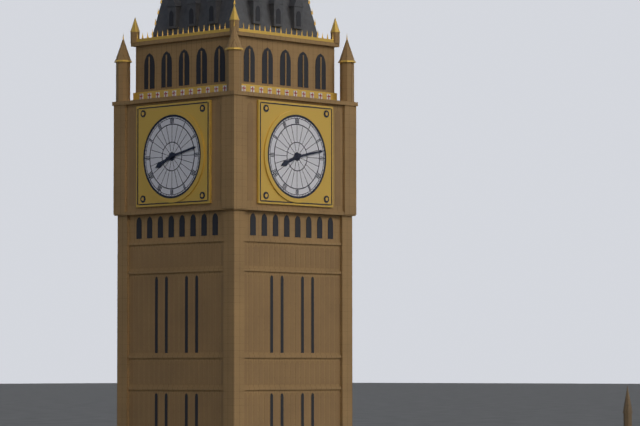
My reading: 8:13
